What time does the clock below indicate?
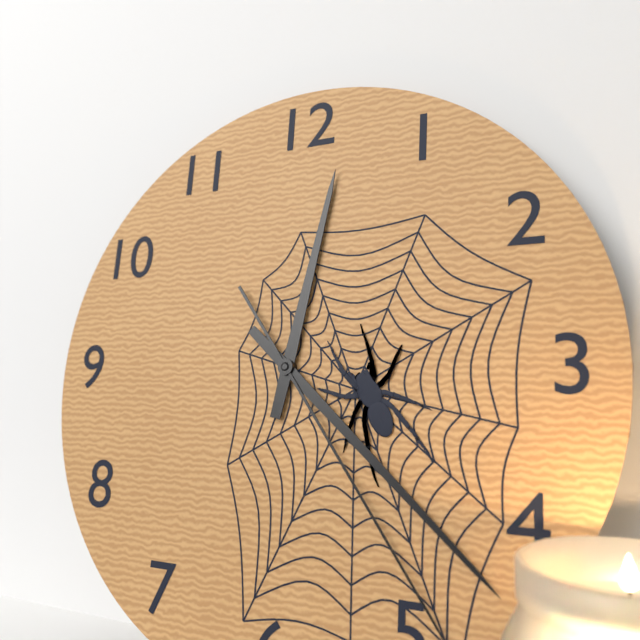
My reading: 12:22
